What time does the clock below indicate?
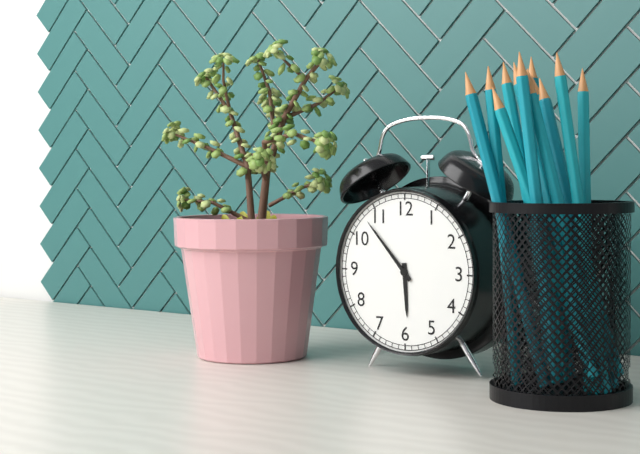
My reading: 5:53
